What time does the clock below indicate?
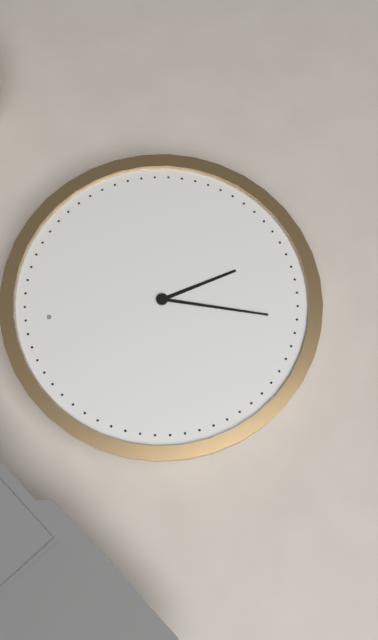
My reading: 5:33
